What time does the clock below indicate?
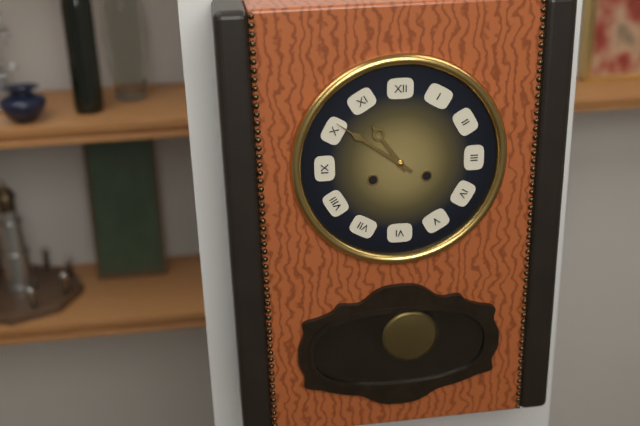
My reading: 10:51
